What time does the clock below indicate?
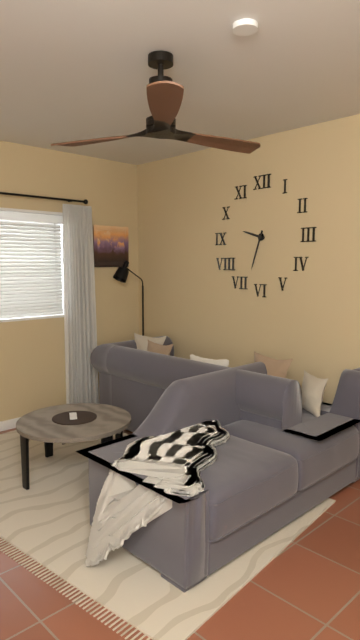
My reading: 9:33
